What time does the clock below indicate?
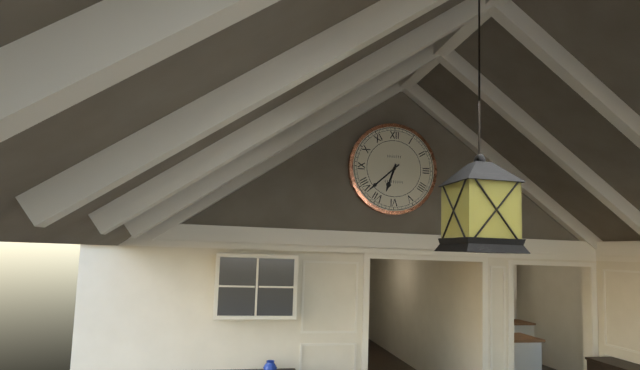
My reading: 6:38
